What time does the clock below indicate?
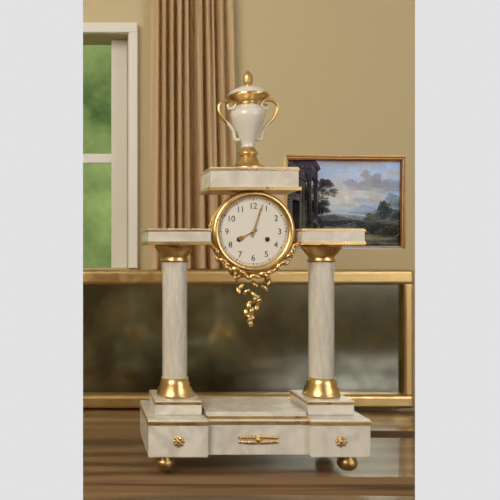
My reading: 8:03
